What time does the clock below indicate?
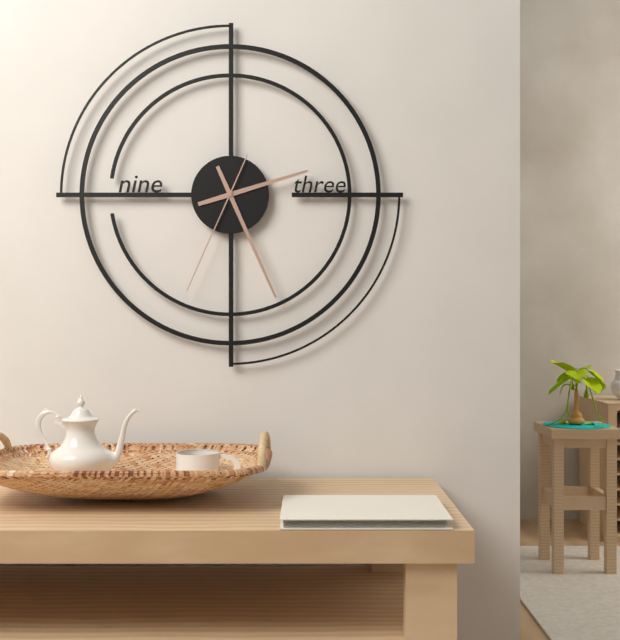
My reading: 2:26:34
